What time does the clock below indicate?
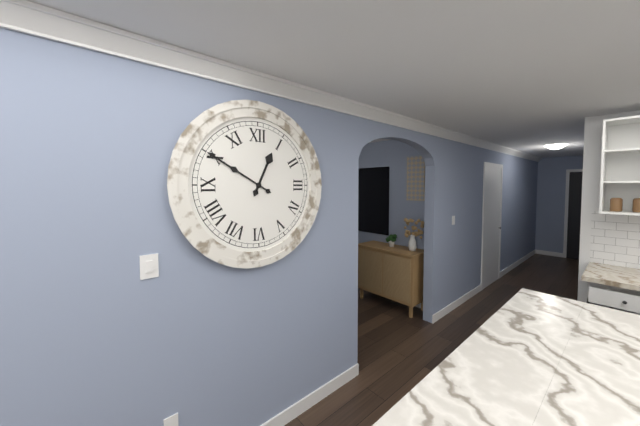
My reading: 12:50
